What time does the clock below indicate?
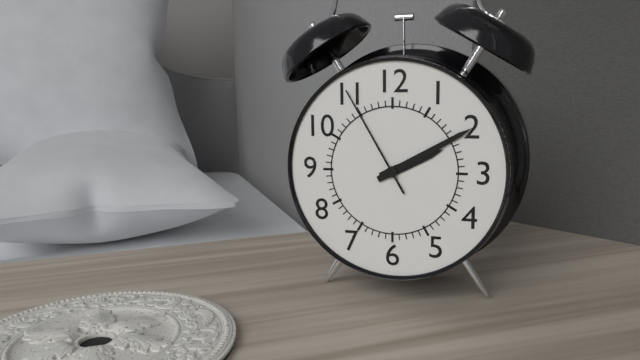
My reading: 2:10:55
